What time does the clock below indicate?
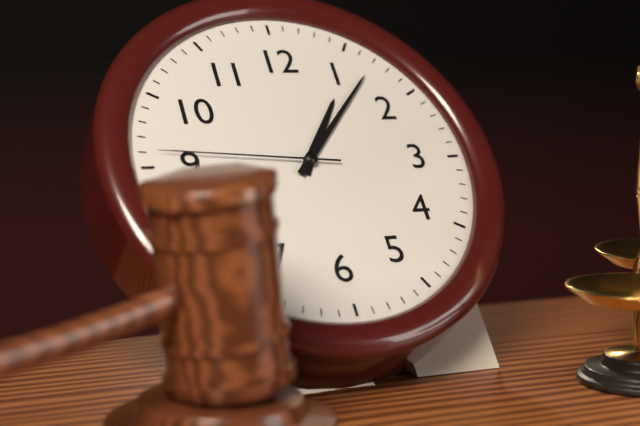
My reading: 1:07:46
